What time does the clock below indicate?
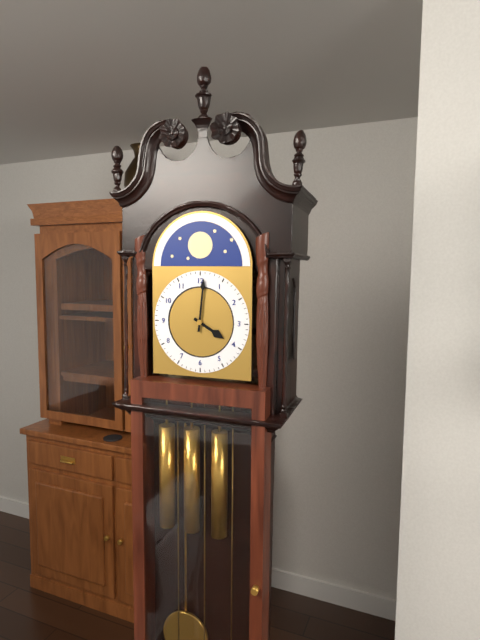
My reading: 4:01
